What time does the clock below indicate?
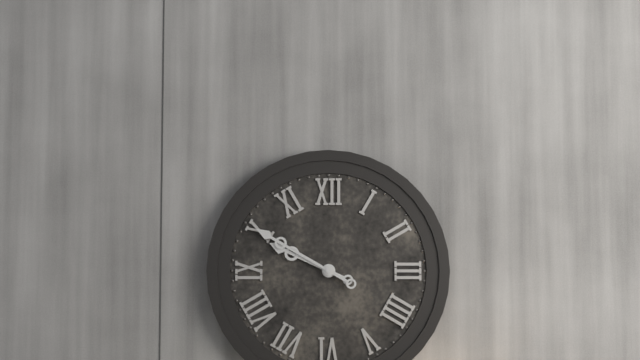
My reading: 9:50
